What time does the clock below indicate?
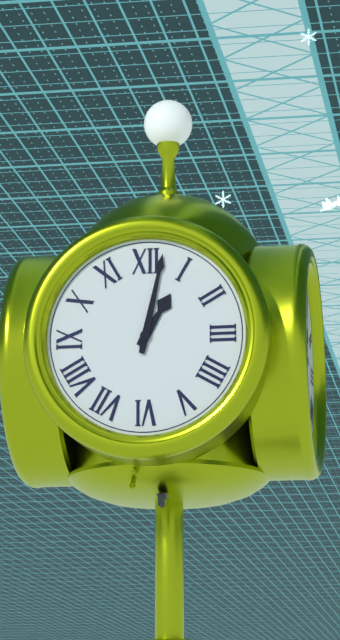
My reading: 1:02
